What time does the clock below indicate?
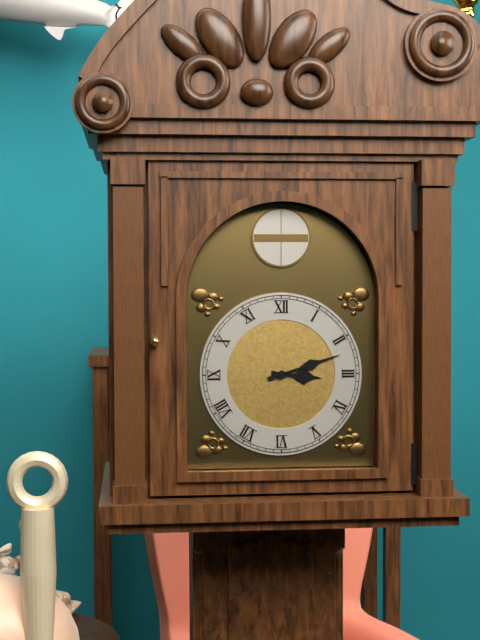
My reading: 3:12
